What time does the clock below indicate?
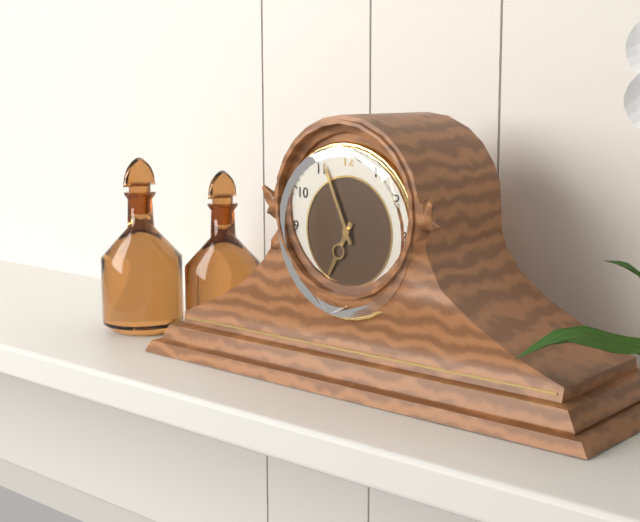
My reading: 6:56
